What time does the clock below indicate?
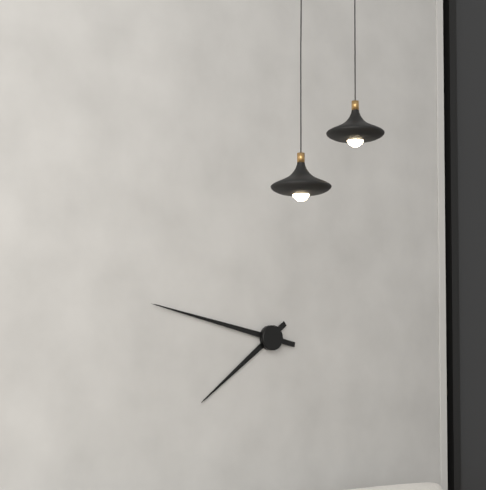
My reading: 7:47
